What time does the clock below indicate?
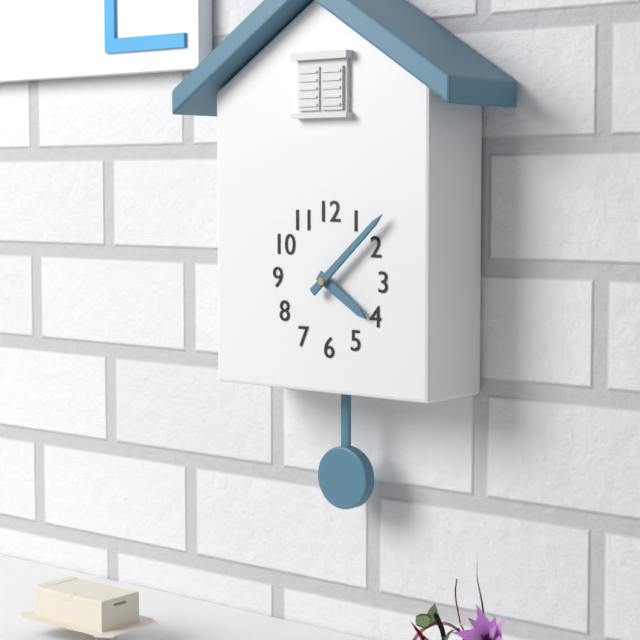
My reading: 4:08
